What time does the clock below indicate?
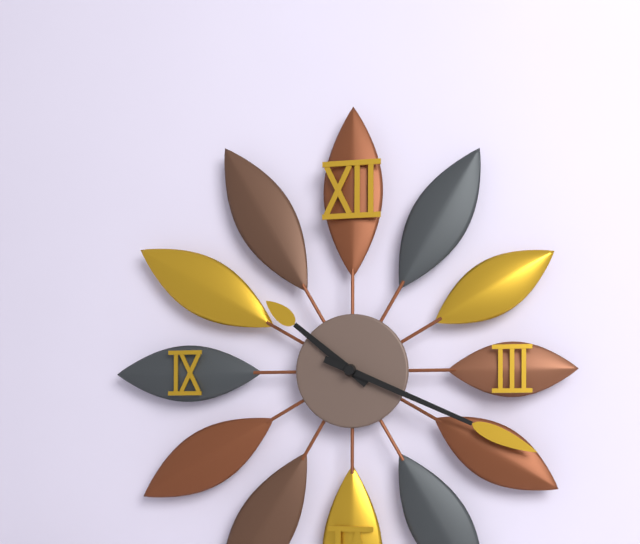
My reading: 10:19
